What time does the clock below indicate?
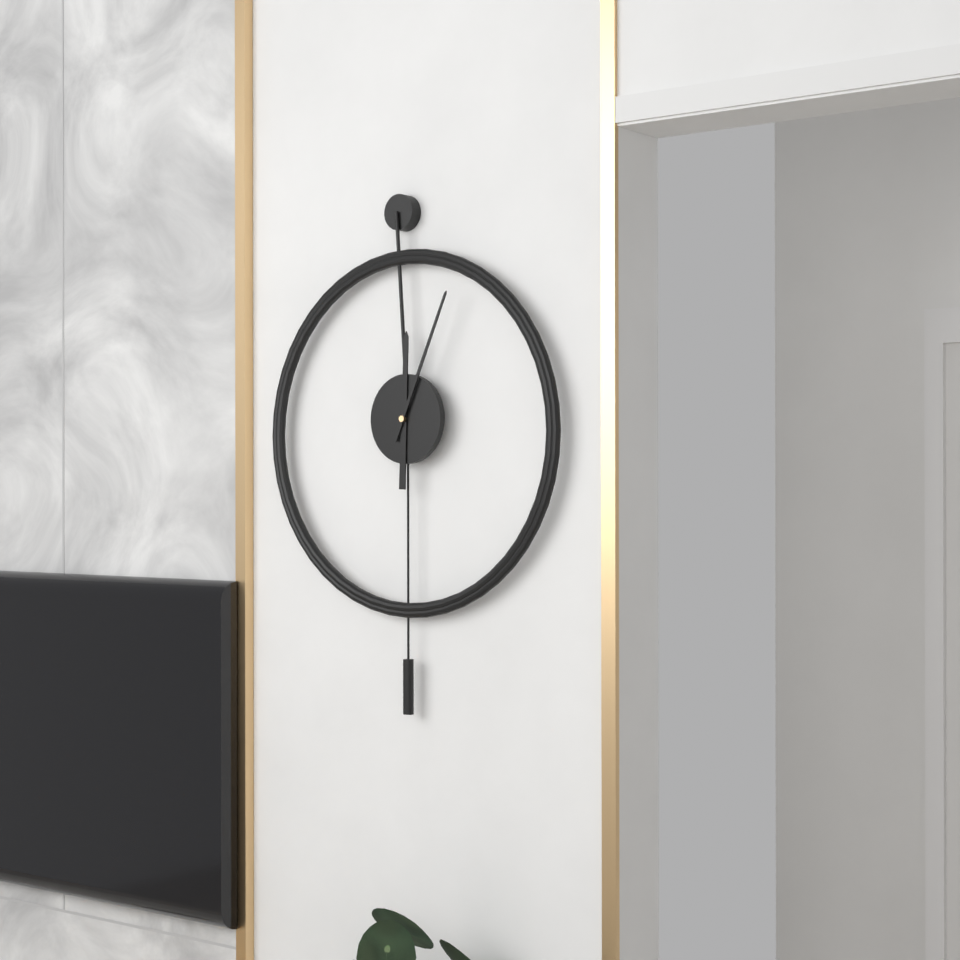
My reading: 12:04
